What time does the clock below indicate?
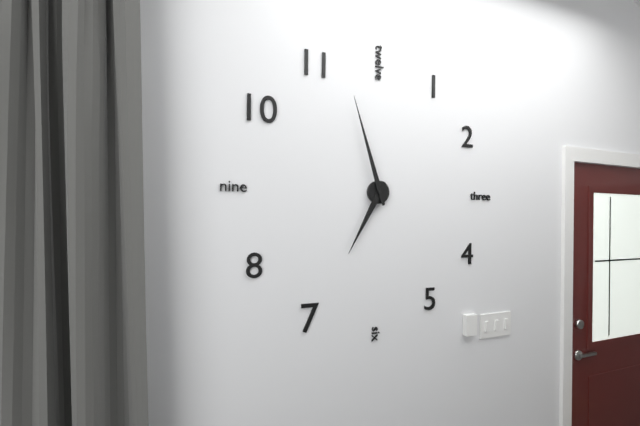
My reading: 6:57
